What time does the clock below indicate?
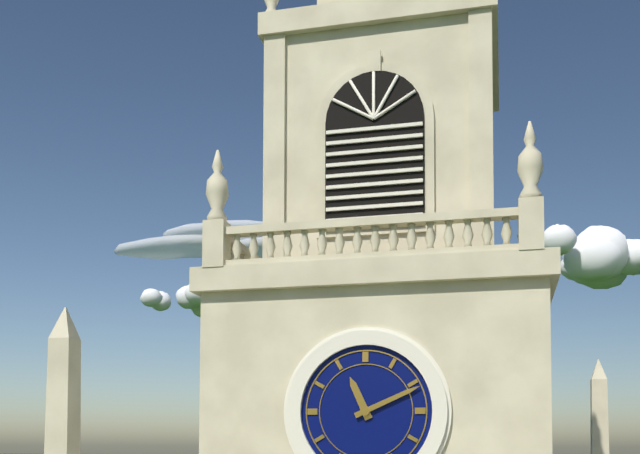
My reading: 11:11
